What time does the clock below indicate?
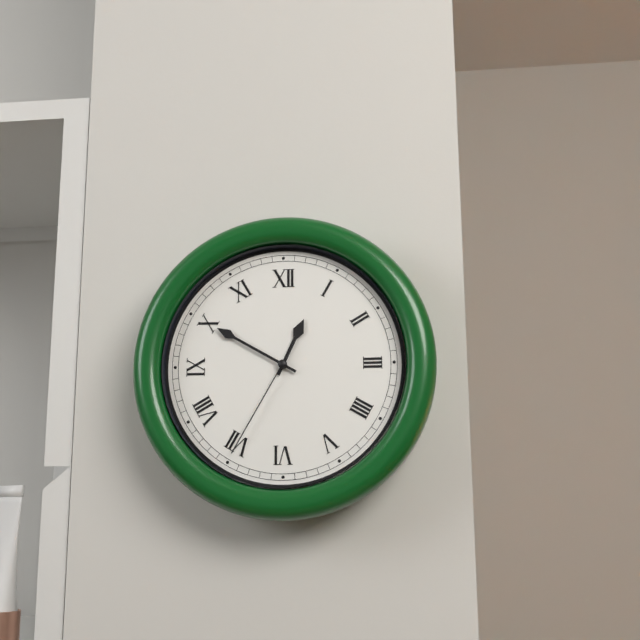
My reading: 12:50:35
